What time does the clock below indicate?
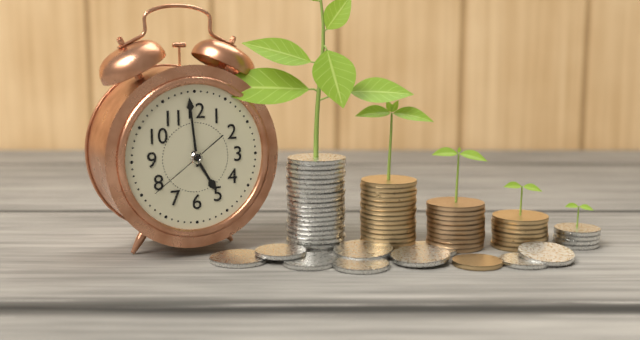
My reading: 4:59:39
